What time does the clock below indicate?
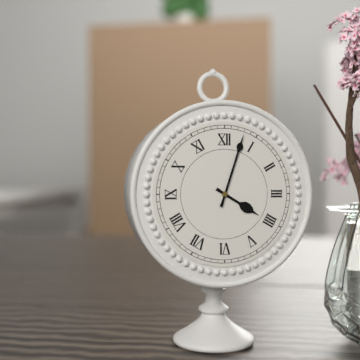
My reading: 4:03
